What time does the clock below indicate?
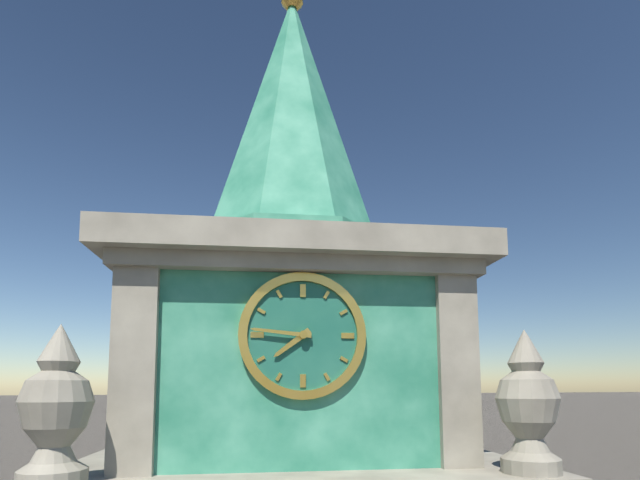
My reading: 7:46
